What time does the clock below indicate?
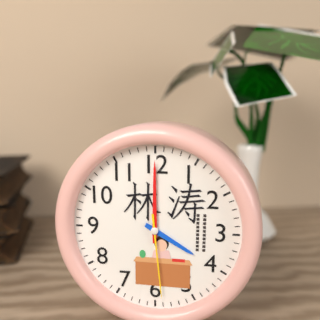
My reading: 4:00:29
